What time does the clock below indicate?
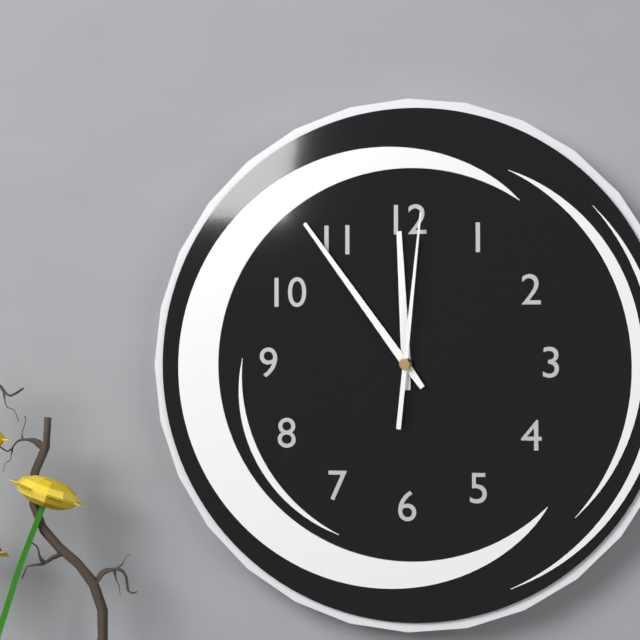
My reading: 11:54:01
